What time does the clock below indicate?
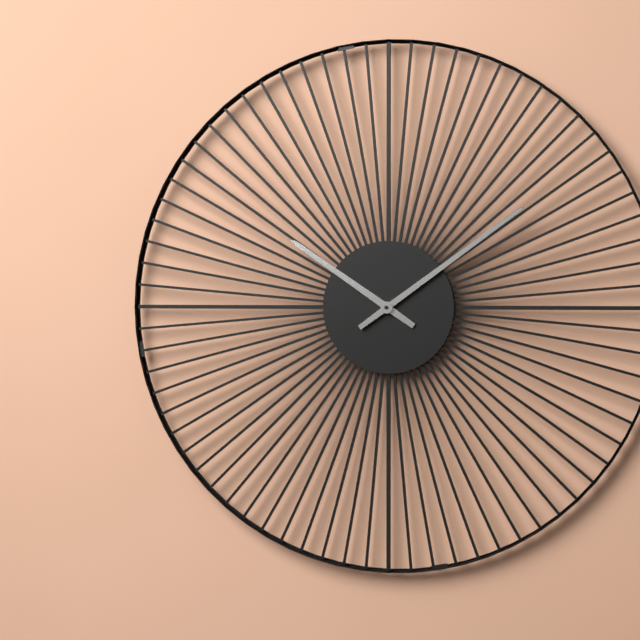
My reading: 10:09
